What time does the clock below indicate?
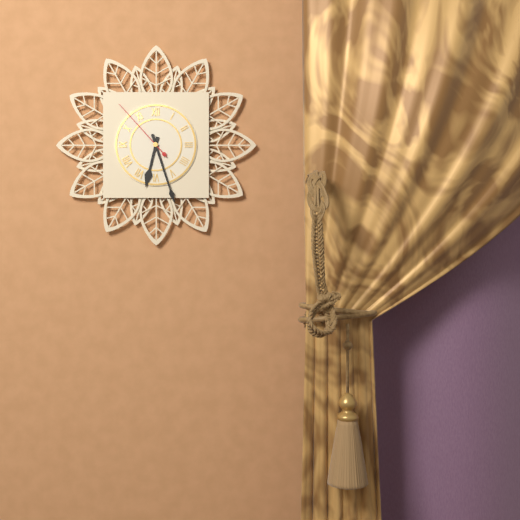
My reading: 6:27:53
